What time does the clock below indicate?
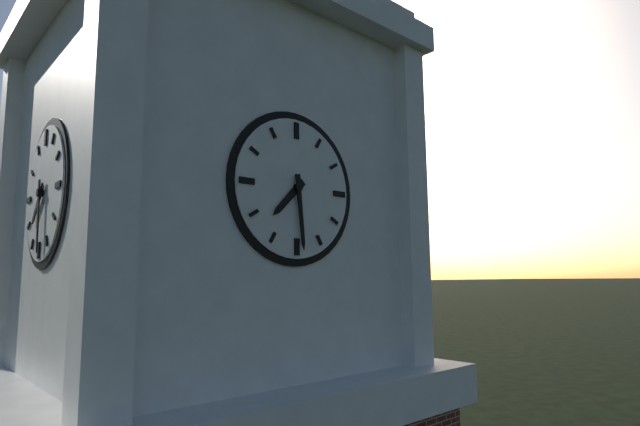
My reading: 7:29
